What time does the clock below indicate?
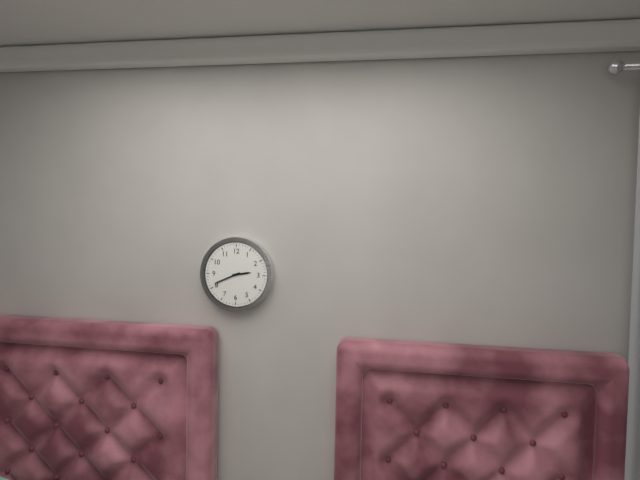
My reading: 2:41
